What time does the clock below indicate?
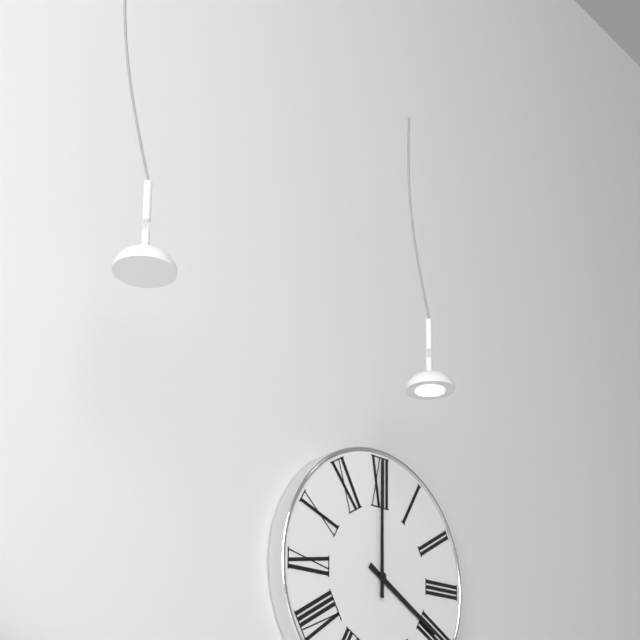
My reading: 4:00
